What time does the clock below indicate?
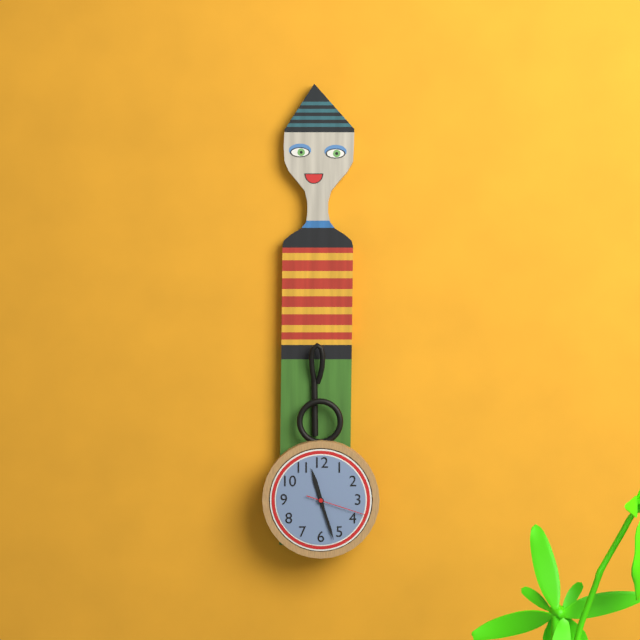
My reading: 11:27:18
